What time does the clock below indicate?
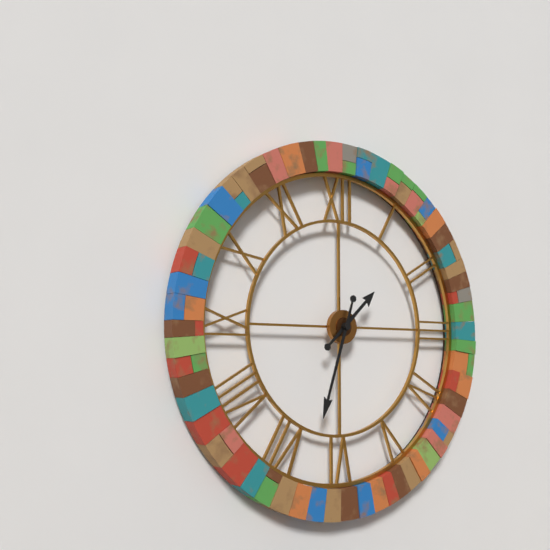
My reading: 1:33
